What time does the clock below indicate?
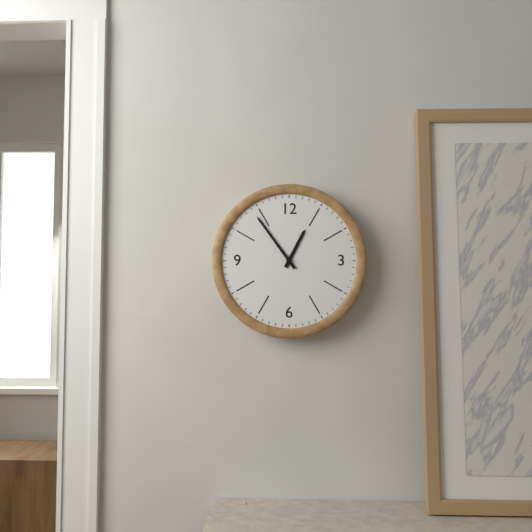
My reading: 12:54
